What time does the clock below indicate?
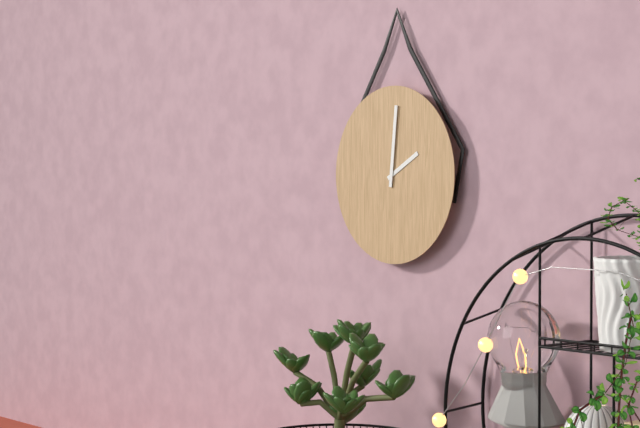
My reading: 2:01
